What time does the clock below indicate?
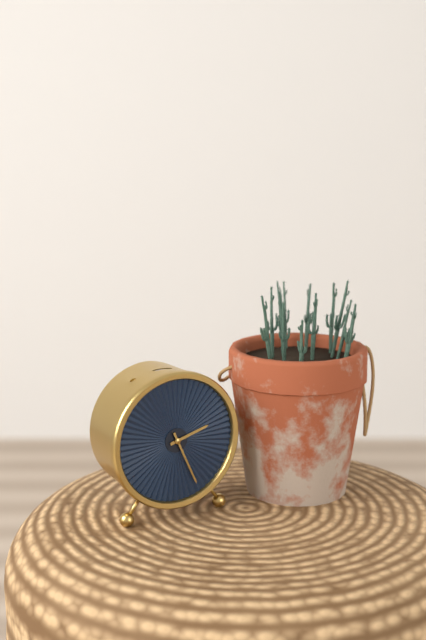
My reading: 2:26
